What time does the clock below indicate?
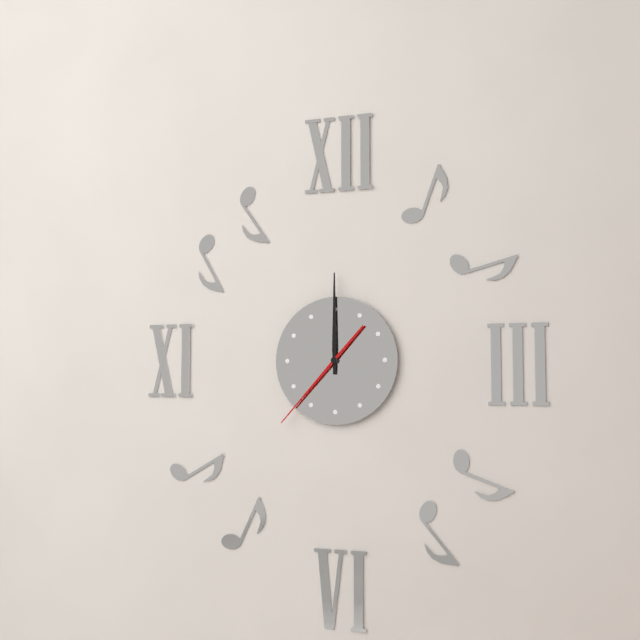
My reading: 12:00:37
